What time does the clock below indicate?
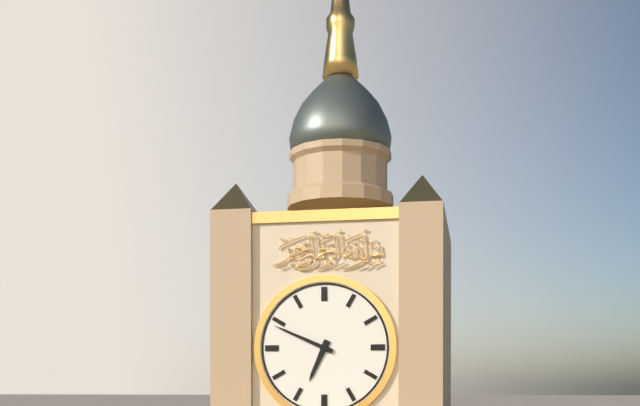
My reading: 6:49
